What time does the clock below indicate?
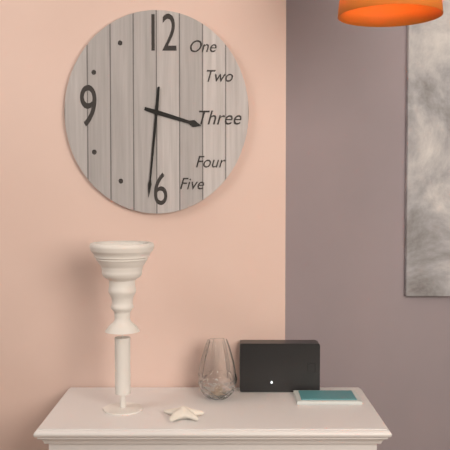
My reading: 3:31
